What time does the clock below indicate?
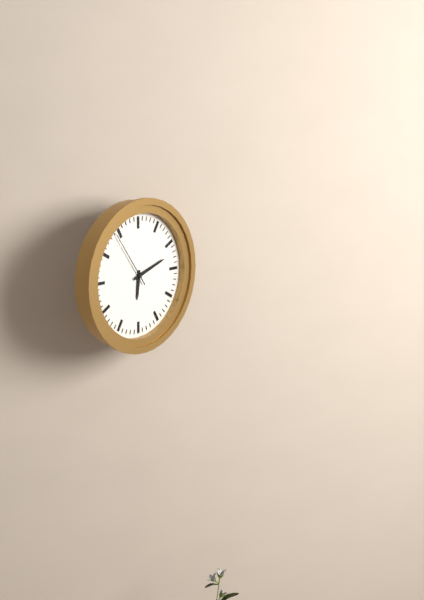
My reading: 6:12:54
